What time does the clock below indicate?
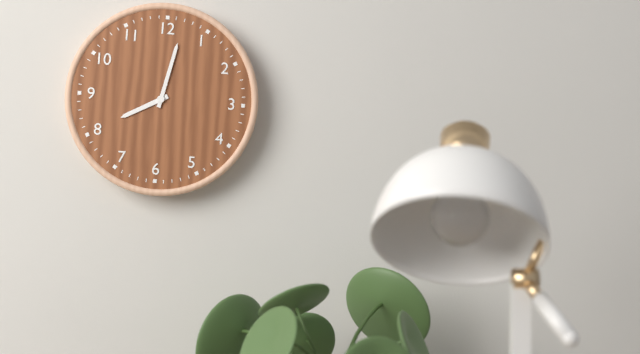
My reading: 8:02
